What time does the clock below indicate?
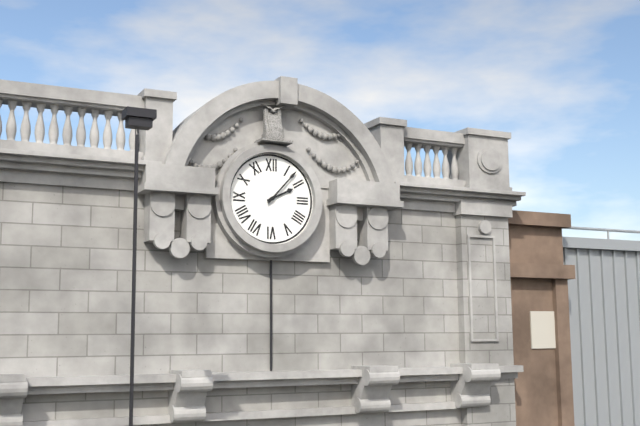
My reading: 2:07
